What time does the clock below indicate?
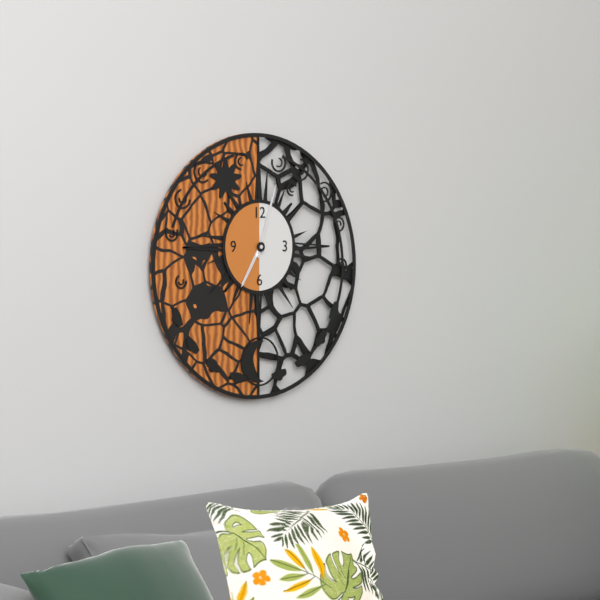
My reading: 7:03
